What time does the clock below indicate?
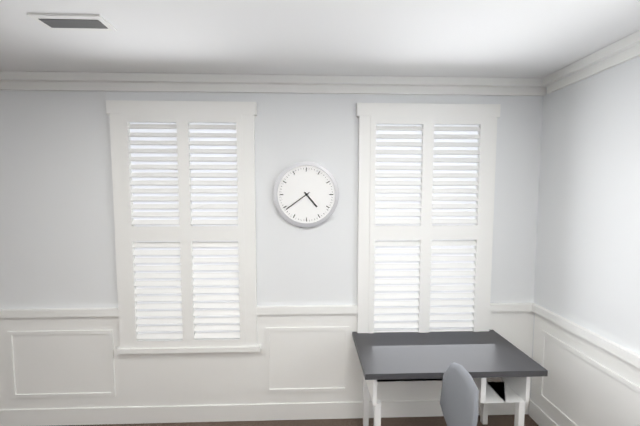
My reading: 4:39
